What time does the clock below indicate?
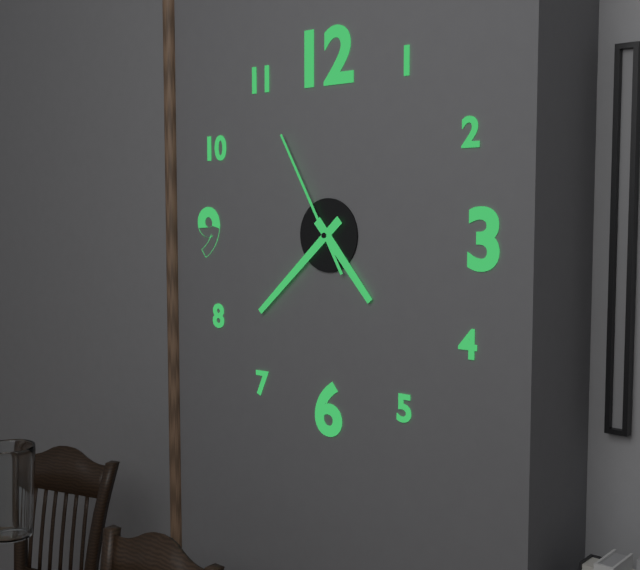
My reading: 4:38:55
